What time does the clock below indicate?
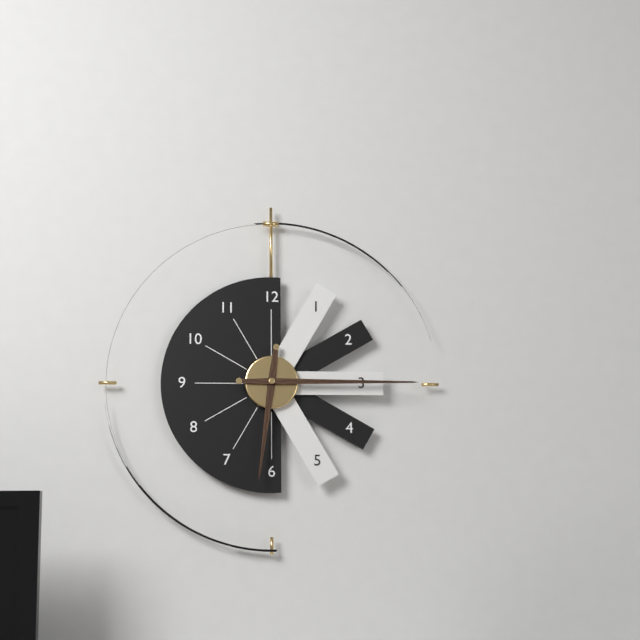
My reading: 6:15
